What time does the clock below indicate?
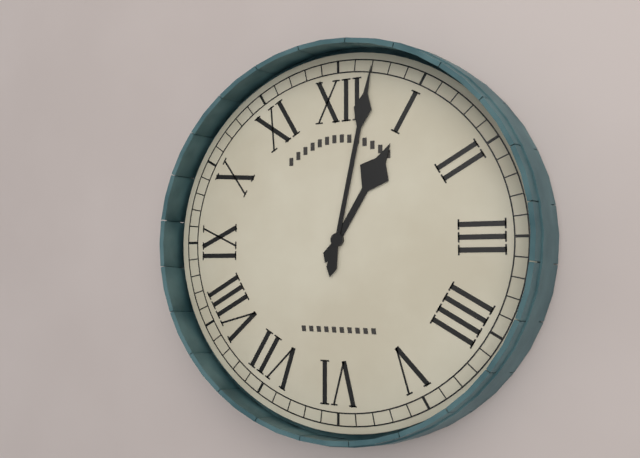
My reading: 1:02
